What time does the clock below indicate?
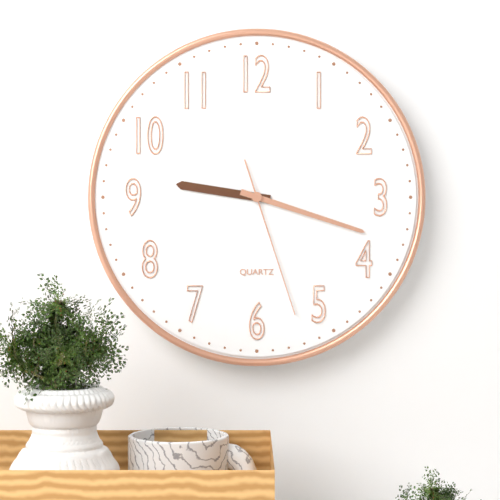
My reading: 9:18:27
